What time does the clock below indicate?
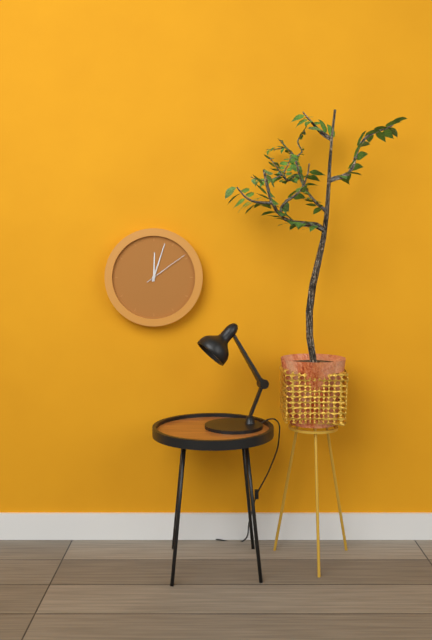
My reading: 12:03
